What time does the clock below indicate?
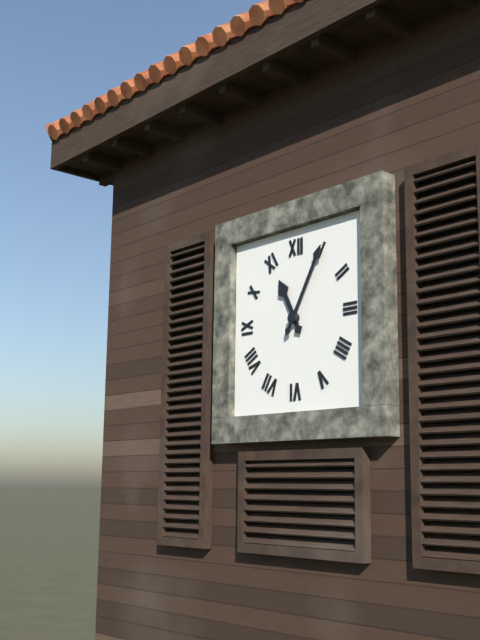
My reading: 11:05
